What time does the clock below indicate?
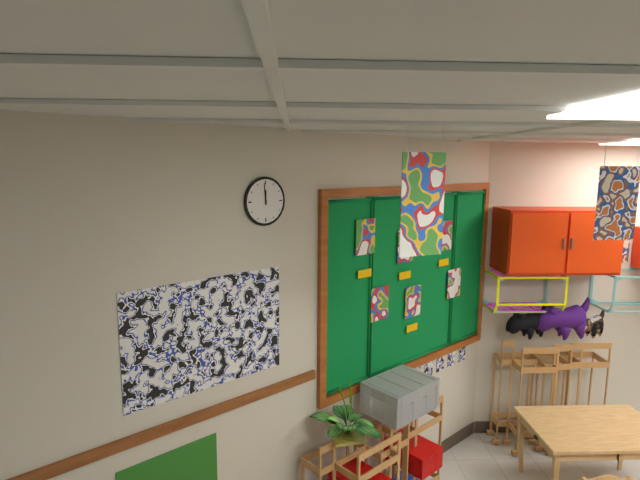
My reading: 11:59
